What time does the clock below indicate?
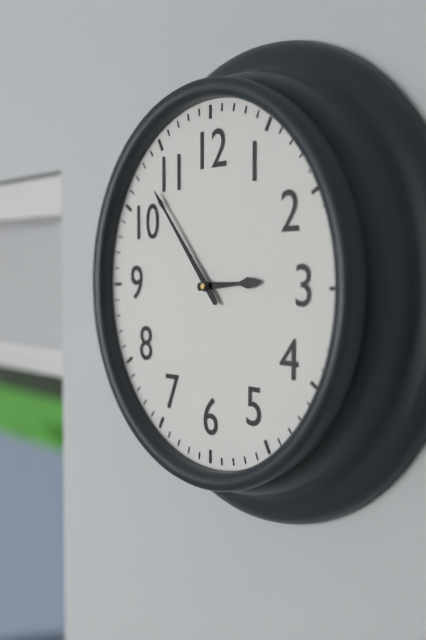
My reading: 2:53
